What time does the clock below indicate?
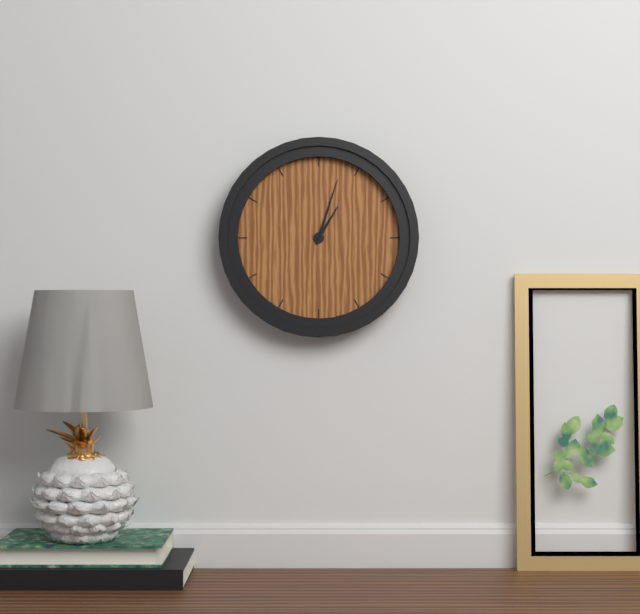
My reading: 1:03
